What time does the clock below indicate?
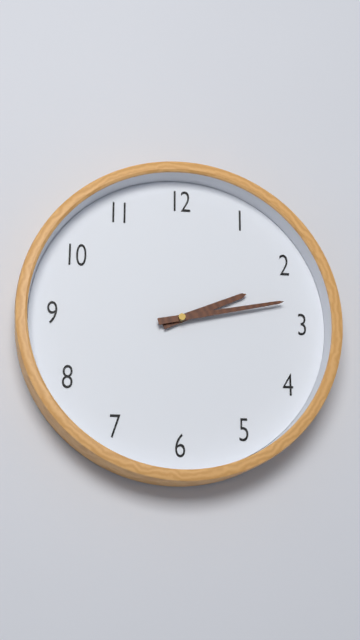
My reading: 2:13
